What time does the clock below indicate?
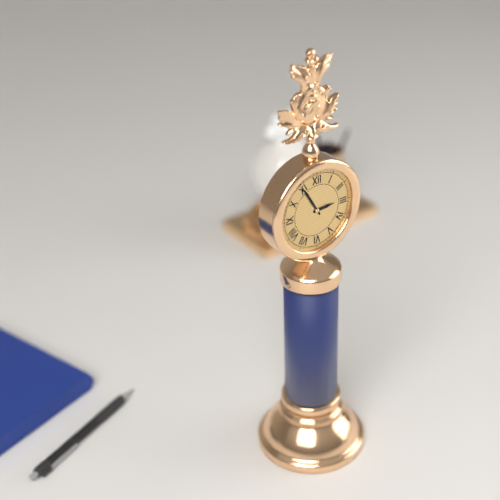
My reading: 2:55
